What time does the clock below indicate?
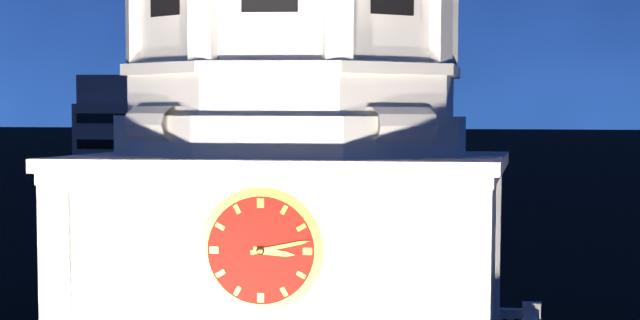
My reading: 3:13
